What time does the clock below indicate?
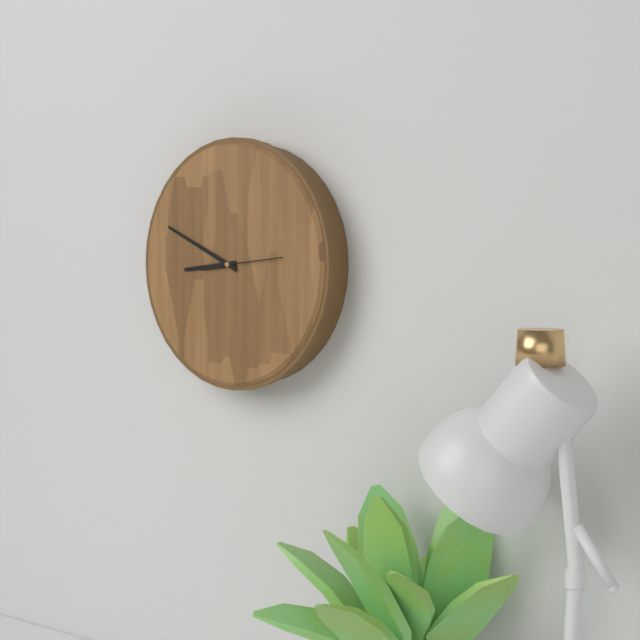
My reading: 8:49:14
